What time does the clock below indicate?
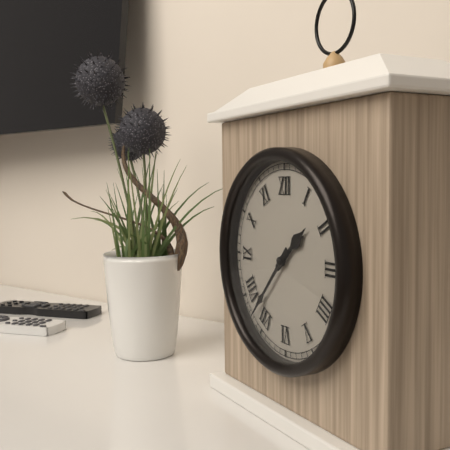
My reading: 1:37
